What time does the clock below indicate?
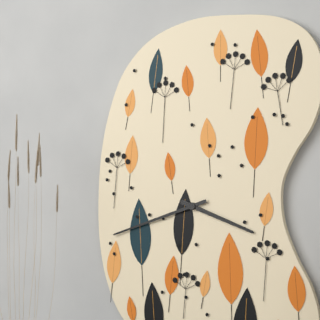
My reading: 3:42
